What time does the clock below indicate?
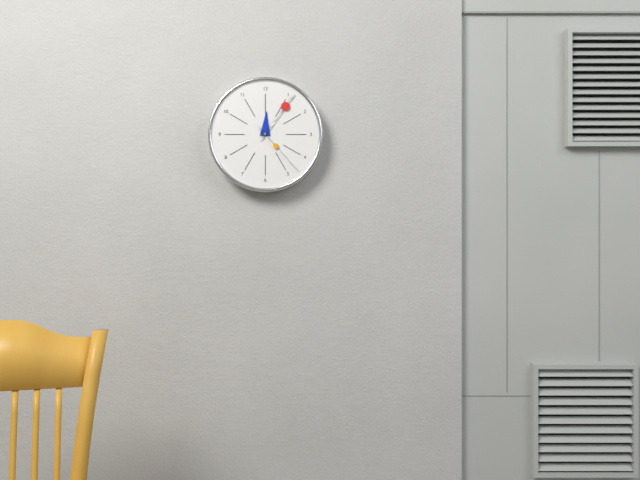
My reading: 12:06:23
